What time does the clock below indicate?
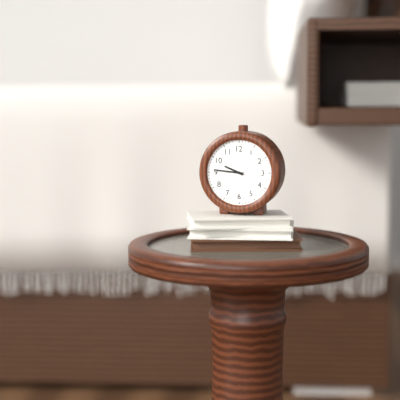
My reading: 9:46
